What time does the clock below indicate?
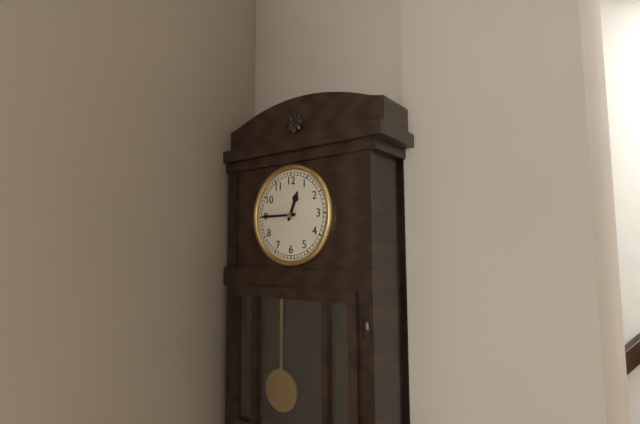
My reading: 12:45
